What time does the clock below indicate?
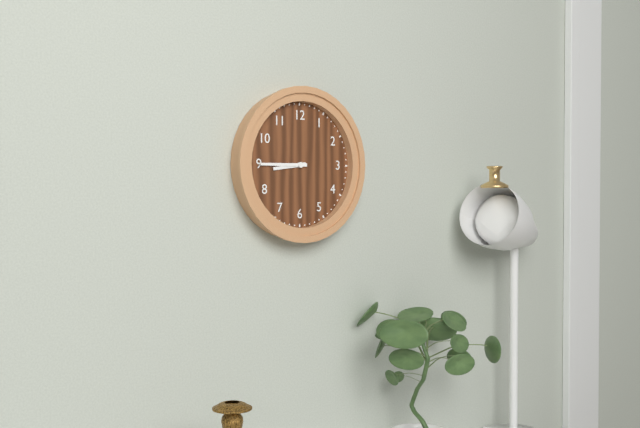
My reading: 8:45
